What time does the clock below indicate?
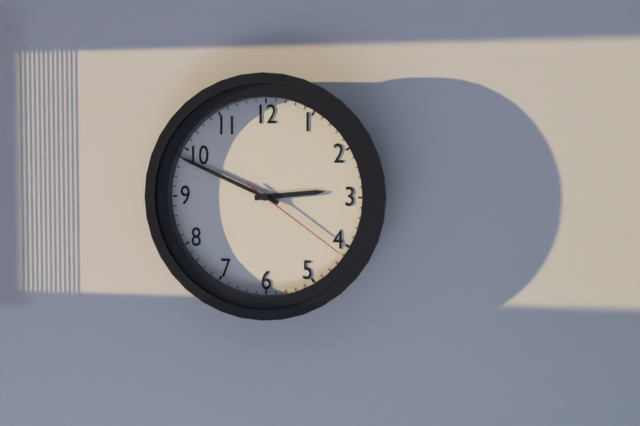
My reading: 2:49:21
